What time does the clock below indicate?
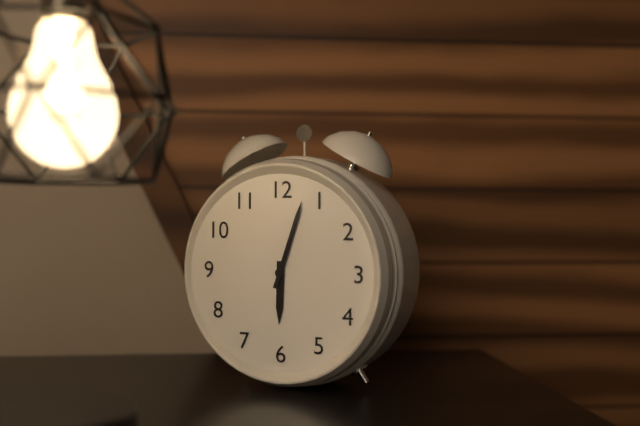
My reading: 6:03
